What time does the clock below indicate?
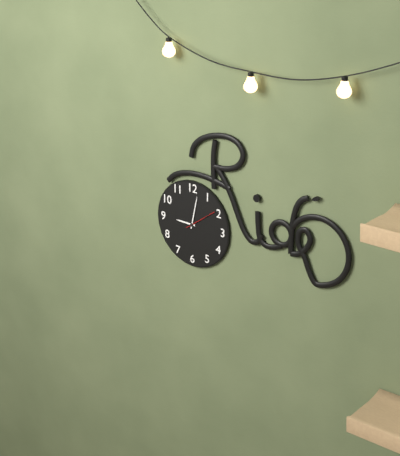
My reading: 9:02
